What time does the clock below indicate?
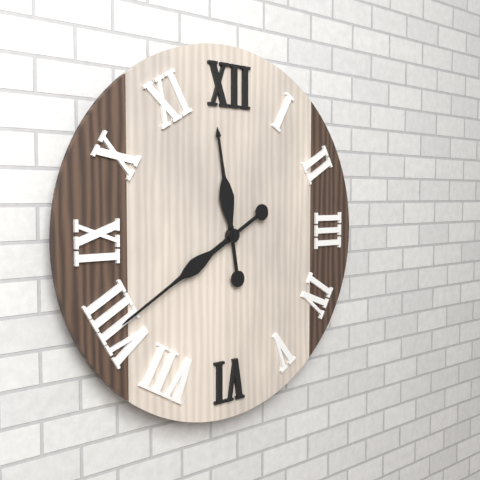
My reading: 11:40
